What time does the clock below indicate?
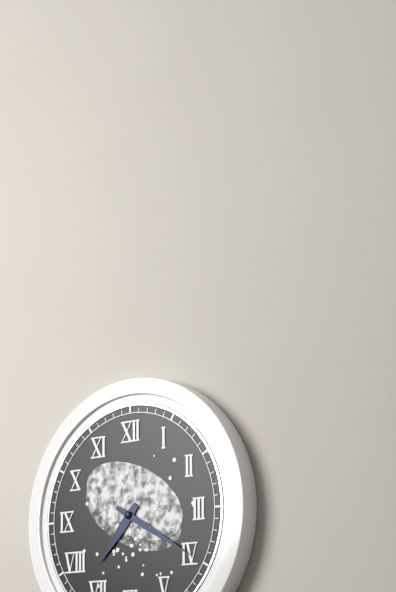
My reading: 7:20
